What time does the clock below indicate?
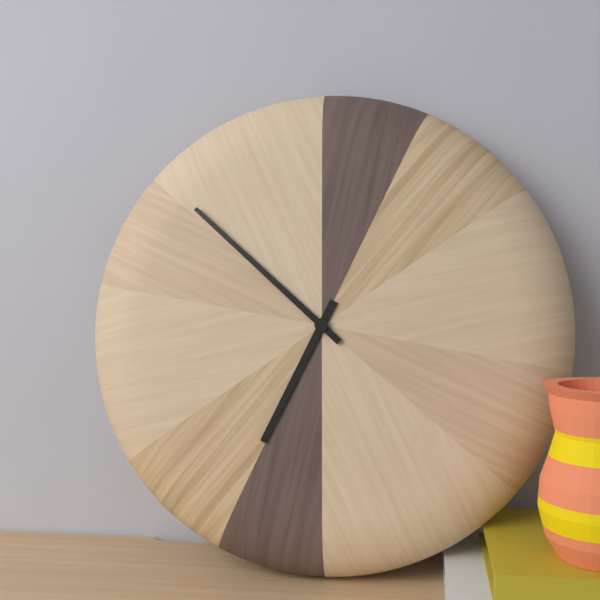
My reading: 6:52
